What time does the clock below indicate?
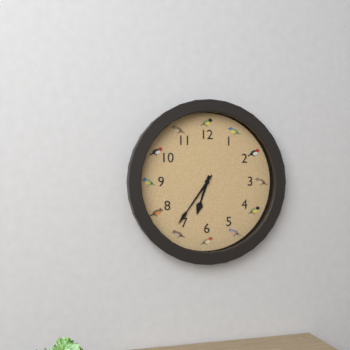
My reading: 6:36
